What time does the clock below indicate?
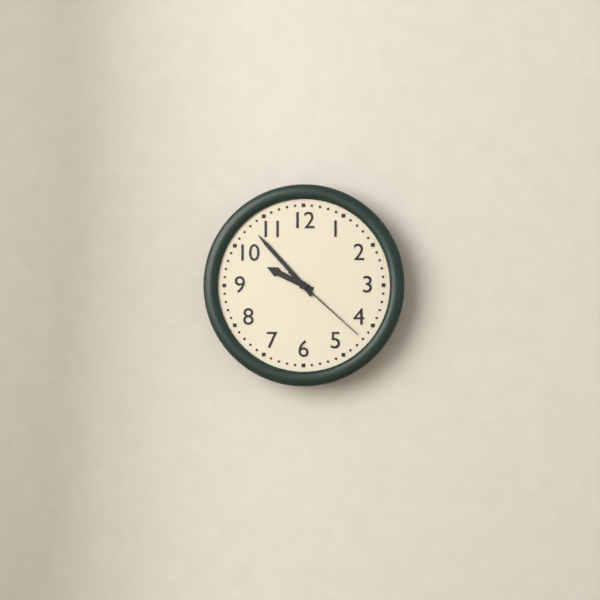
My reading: 9:53:22
